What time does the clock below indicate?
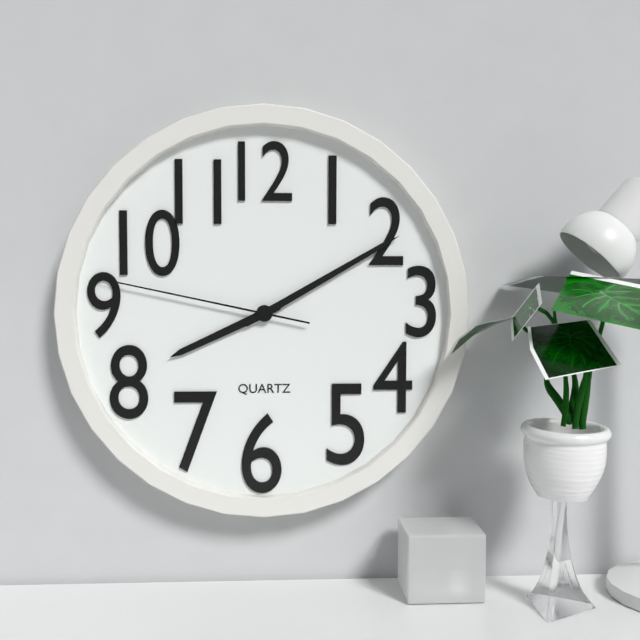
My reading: 8:10:47
